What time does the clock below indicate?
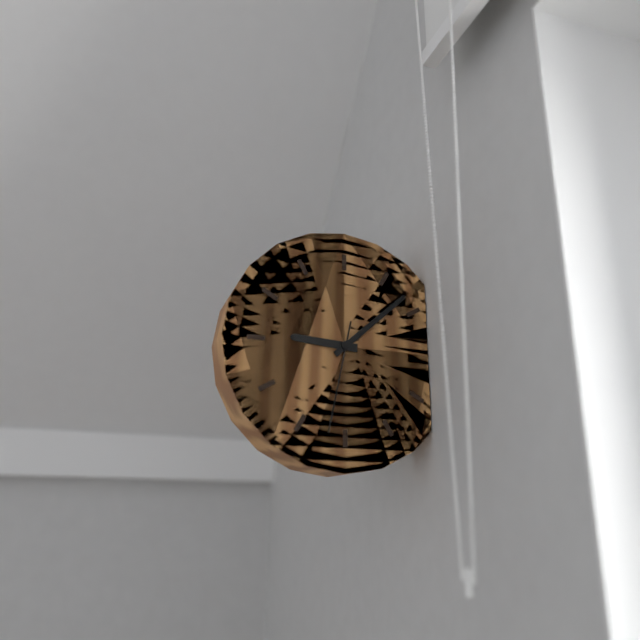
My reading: 9:08:32
